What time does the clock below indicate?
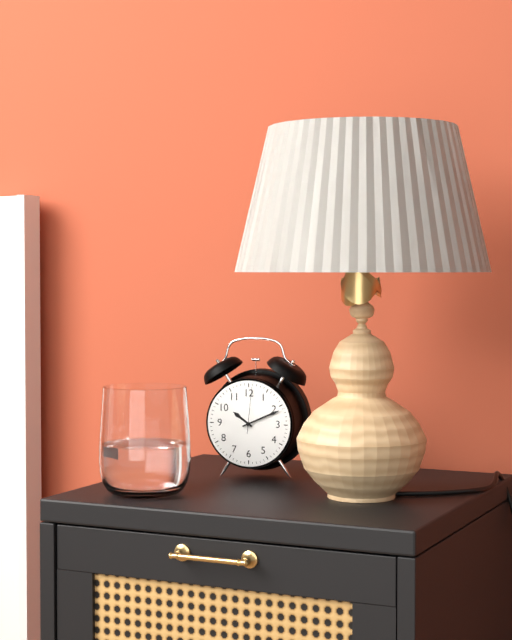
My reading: 10:11
